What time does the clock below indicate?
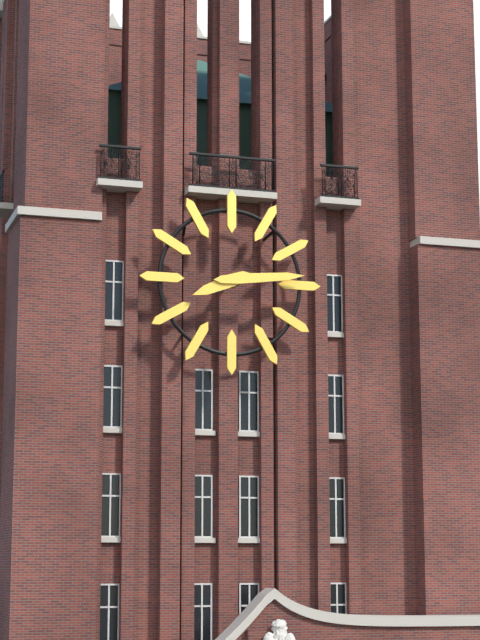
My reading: 8:14
